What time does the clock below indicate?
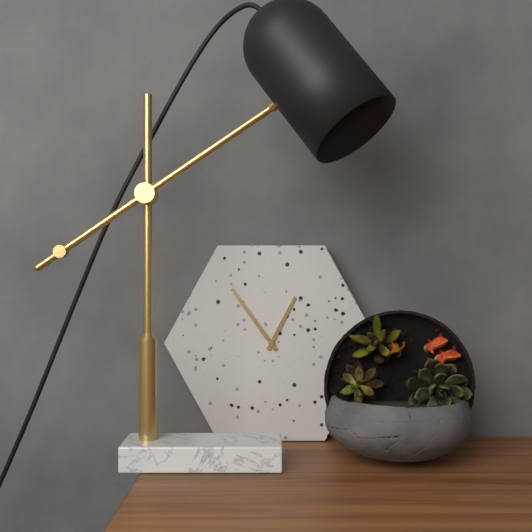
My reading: 12:54
